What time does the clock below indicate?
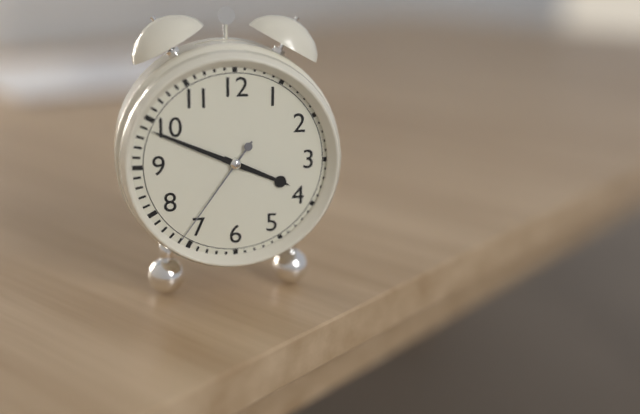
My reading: 3:49:36
